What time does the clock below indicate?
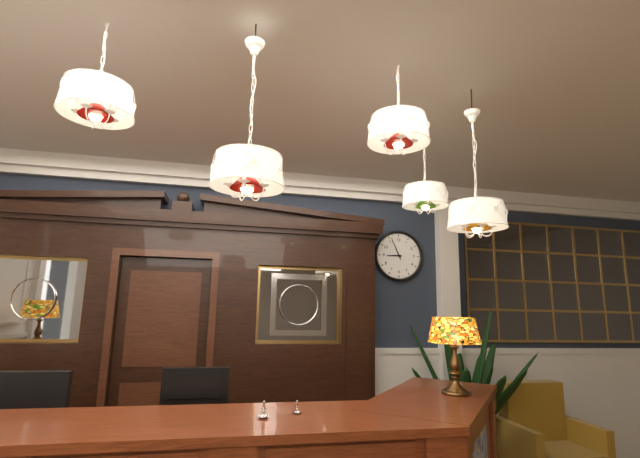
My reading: 8:56
